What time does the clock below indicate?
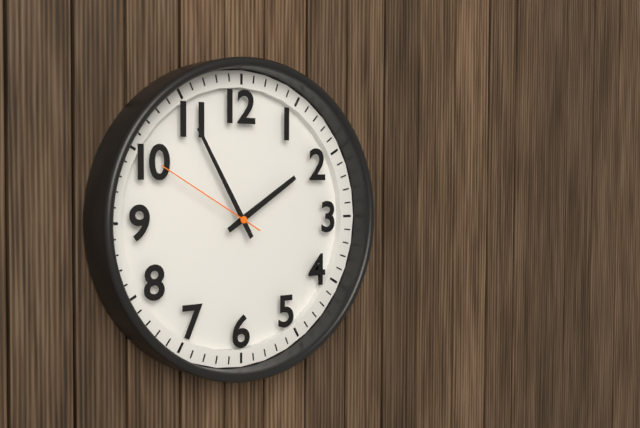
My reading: 1:55:50
